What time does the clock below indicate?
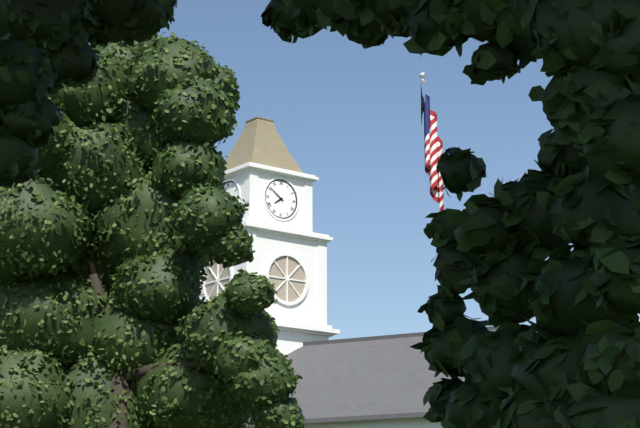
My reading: 7:51
